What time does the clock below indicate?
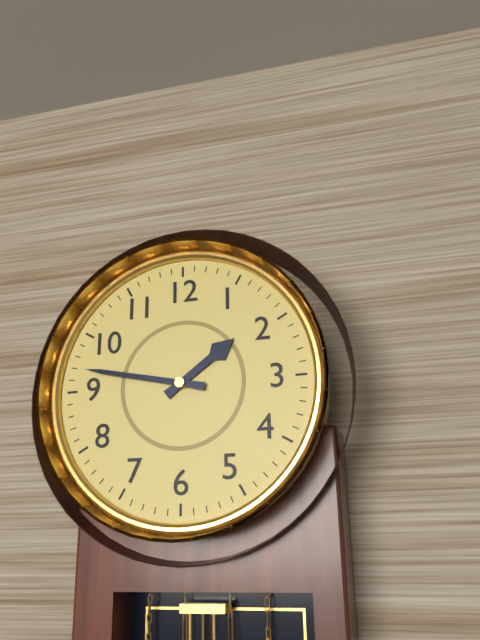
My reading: 1:47
